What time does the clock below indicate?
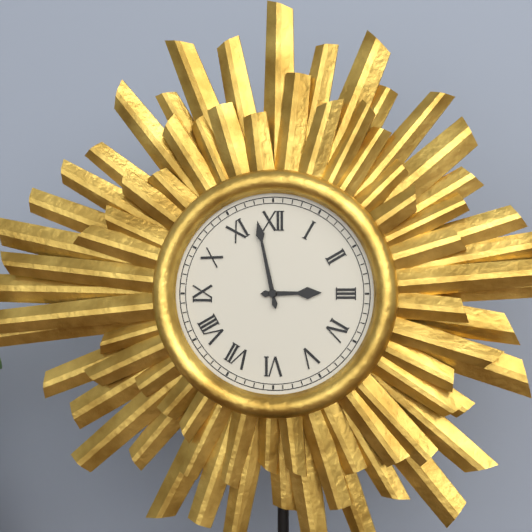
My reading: 2:58
